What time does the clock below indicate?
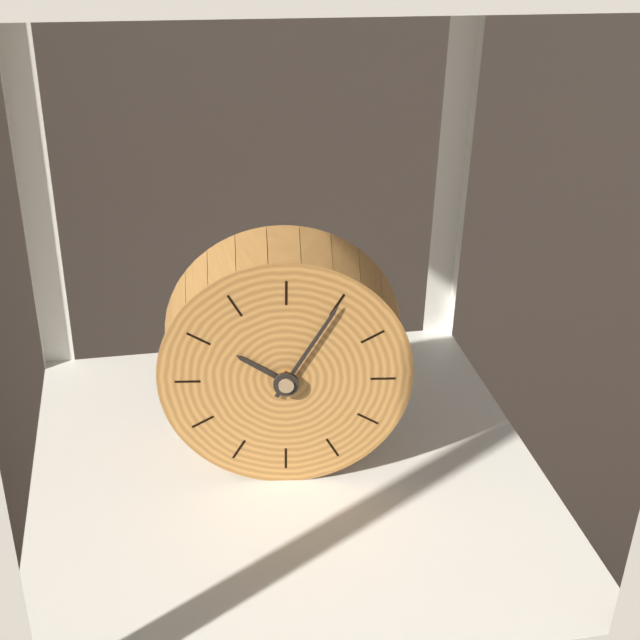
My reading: 10:05
